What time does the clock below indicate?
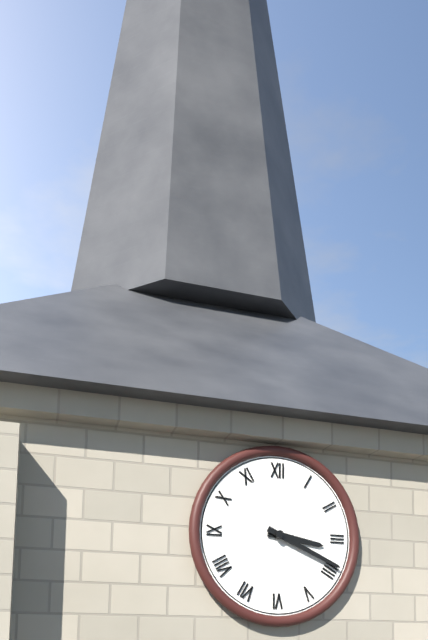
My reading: 3:19
